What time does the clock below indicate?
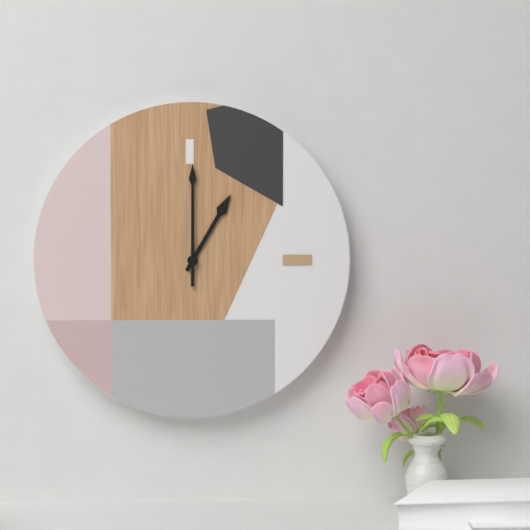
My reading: 1:00
